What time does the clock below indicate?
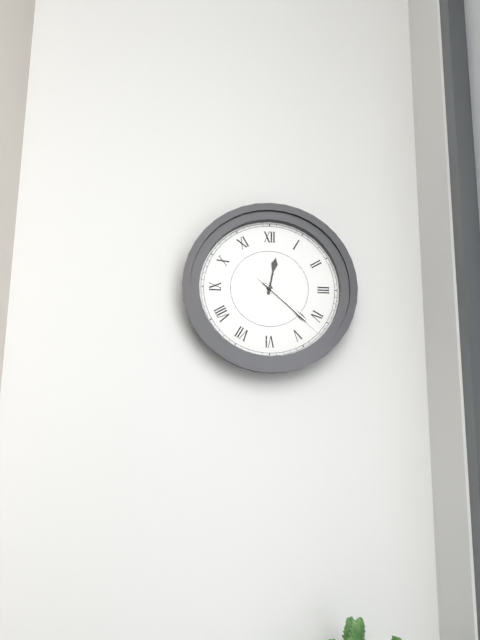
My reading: 12:22:22
